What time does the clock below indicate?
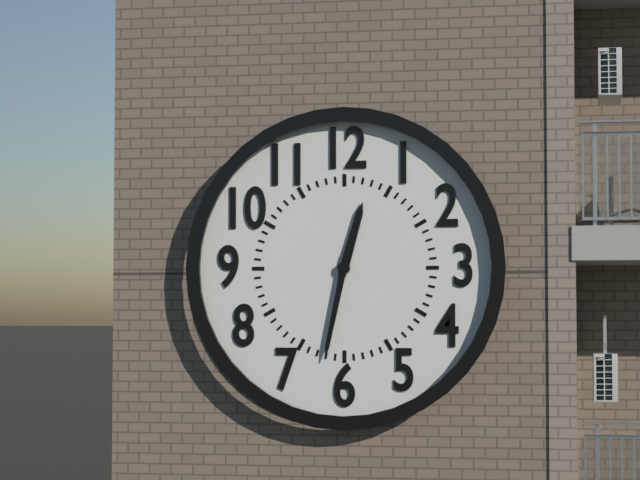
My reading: 12:32
